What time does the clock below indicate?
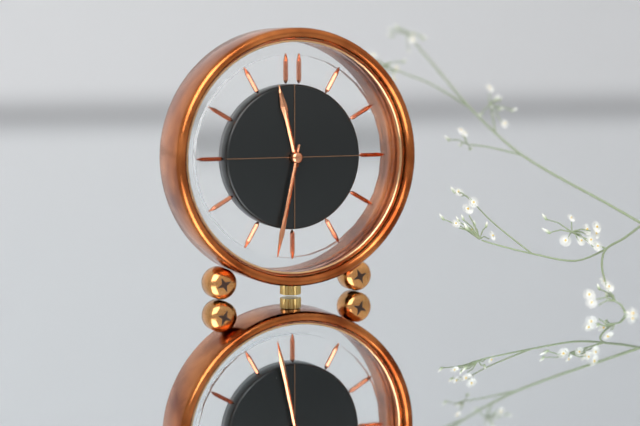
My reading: 11:32
